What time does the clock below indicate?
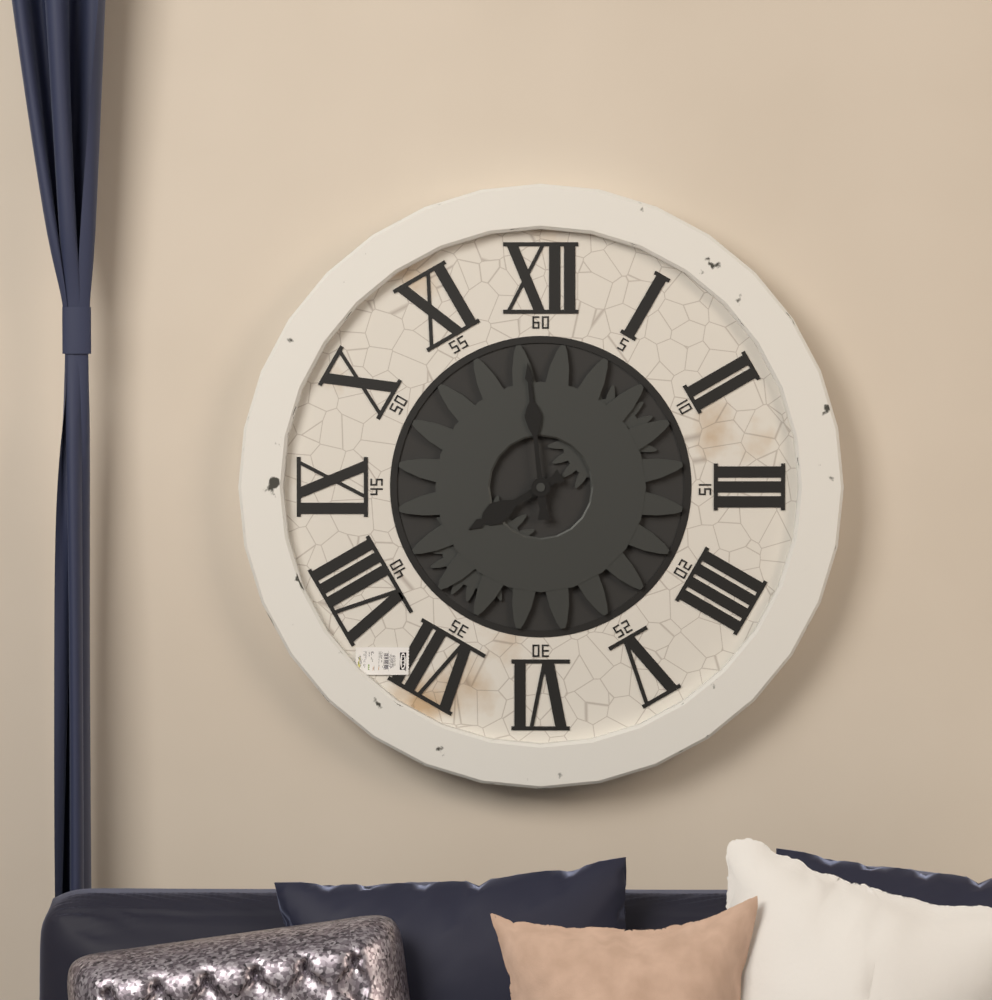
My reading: 7:59
